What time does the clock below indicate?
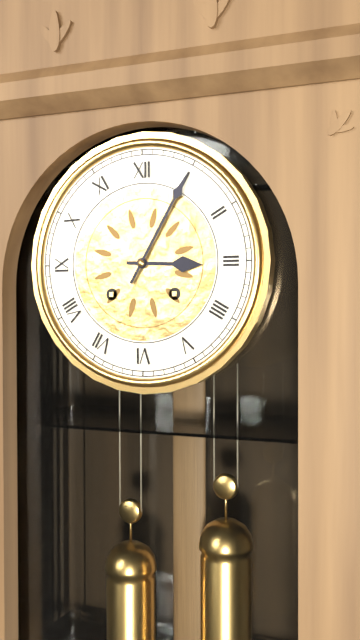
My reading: 3:05
